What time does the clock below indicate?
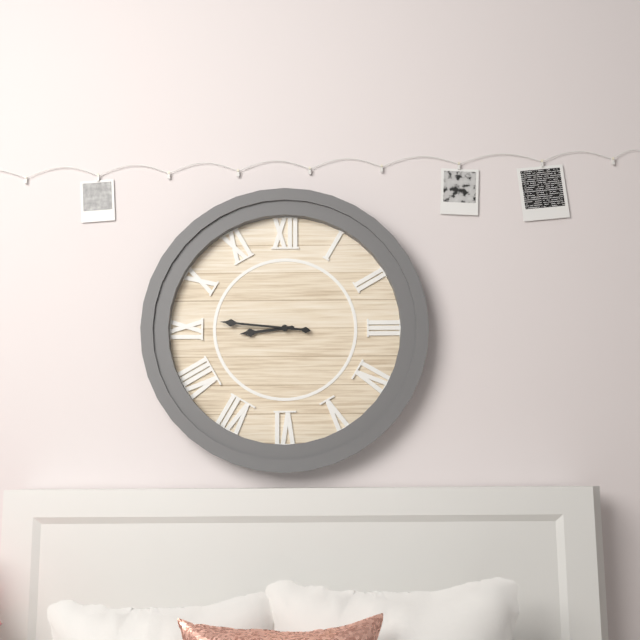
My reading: 8:46
